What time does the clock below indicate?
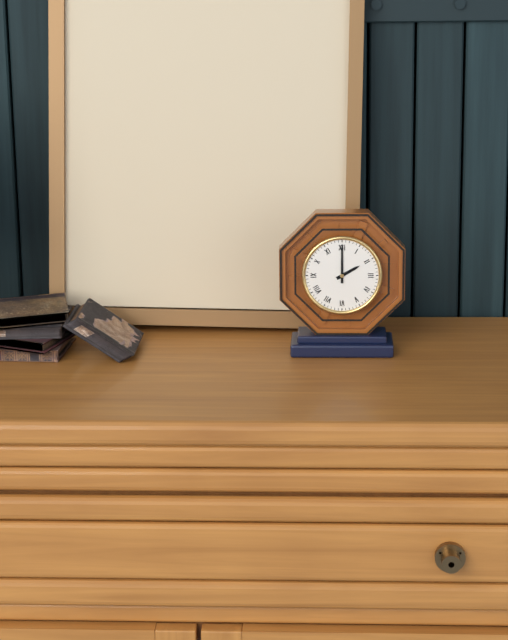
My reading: 2:00
